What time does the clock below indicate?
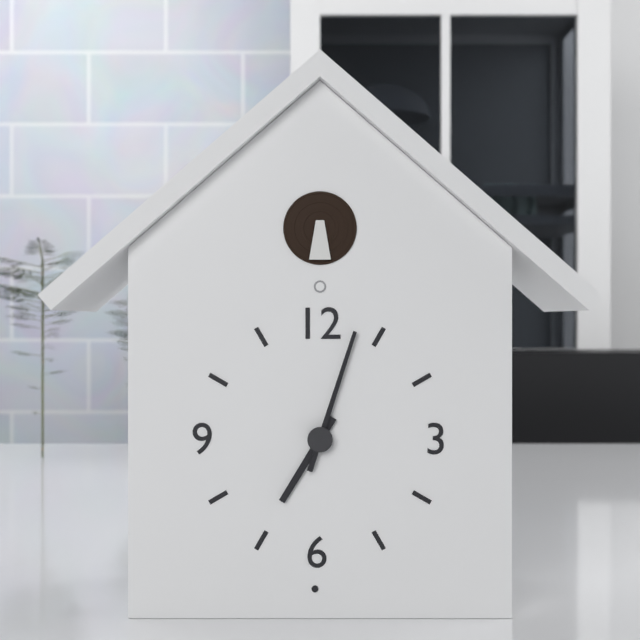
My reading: 7:03
